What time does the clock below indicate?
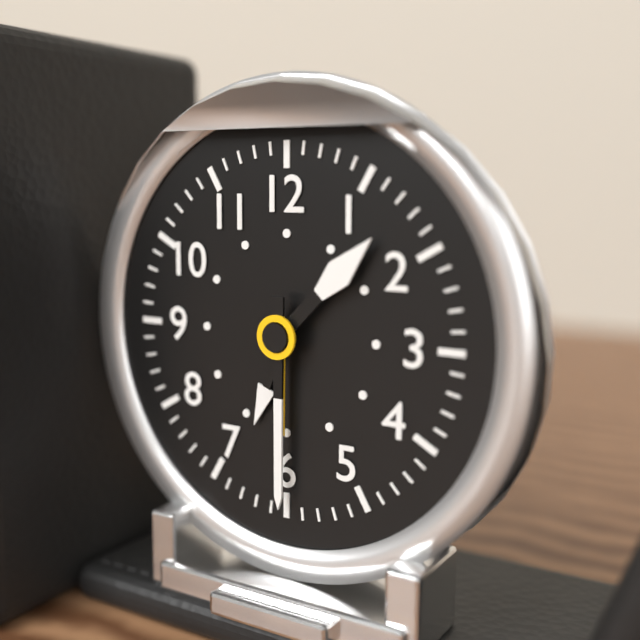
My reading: 1:30
